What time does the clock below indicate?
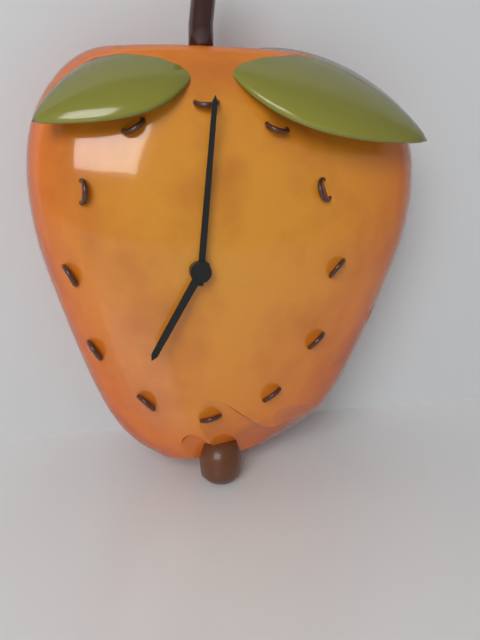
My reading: 7:01
